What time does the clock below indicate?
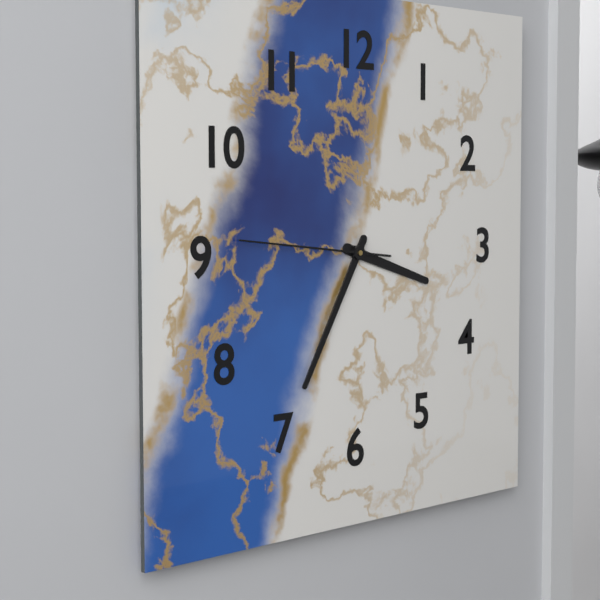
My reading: 3:35:46
